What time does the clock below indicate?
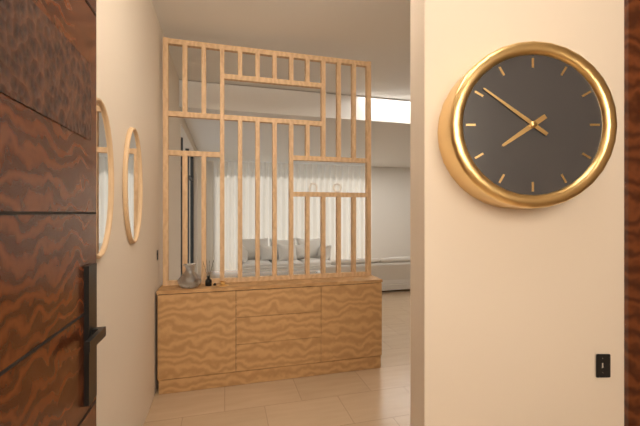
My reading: 7:51
